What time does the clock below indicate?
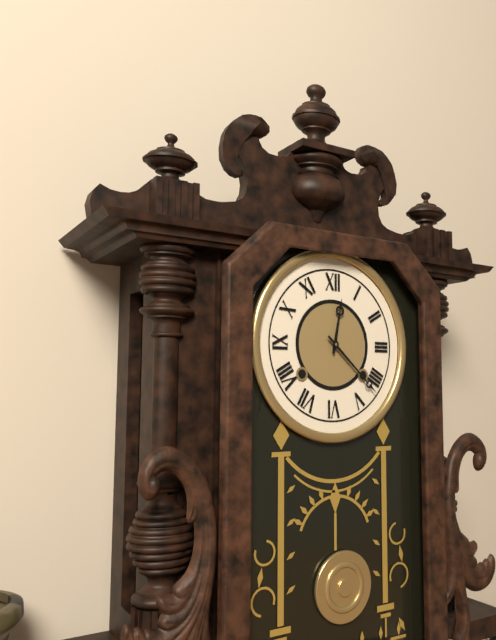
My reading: 12:22
